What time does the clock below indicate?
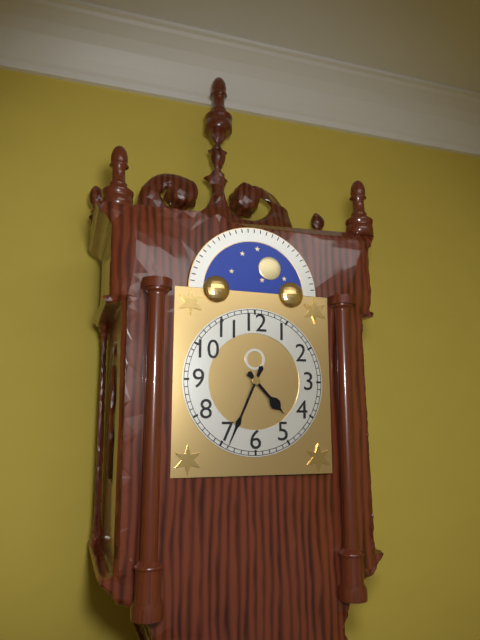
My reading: 4:34
